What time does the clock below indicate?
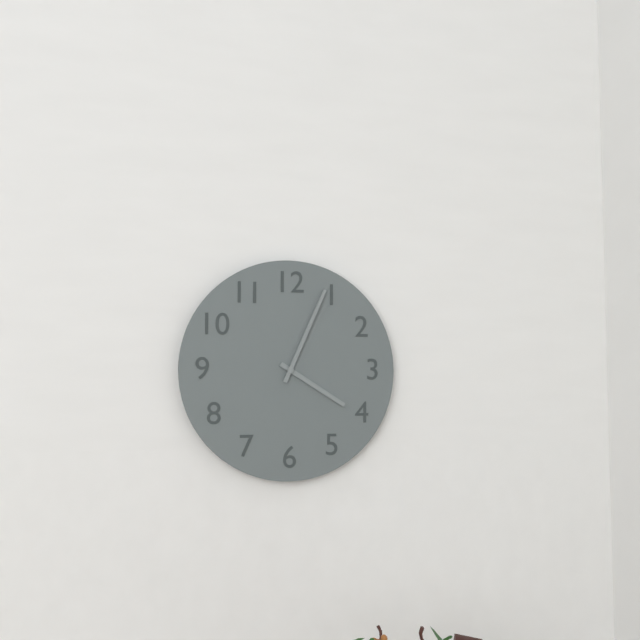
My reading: 4:04
